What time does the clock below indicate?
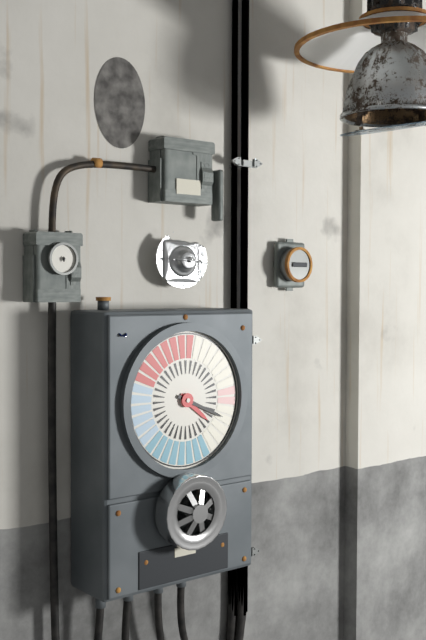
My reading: 4:19
